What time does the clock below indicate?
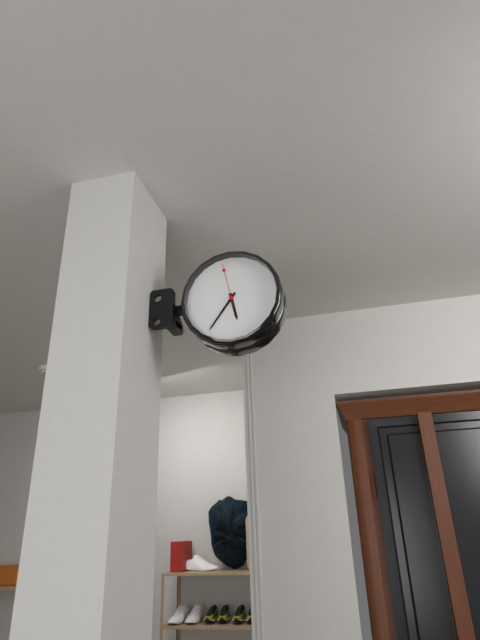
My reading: 5:36
